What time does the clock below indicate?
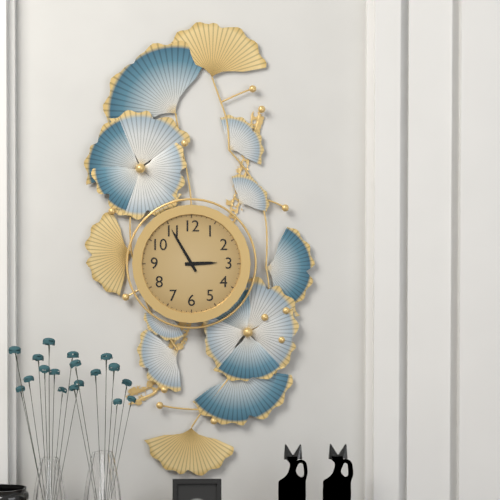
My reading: 2:55
